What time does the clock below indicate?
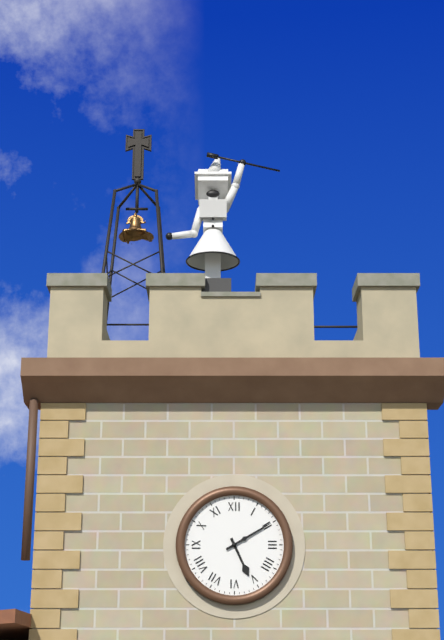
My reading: 5:10
